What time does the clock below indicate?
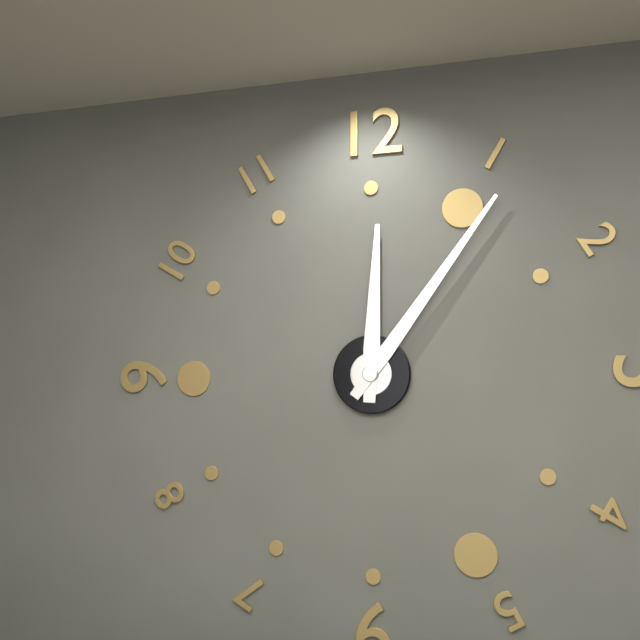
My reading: 12:06
